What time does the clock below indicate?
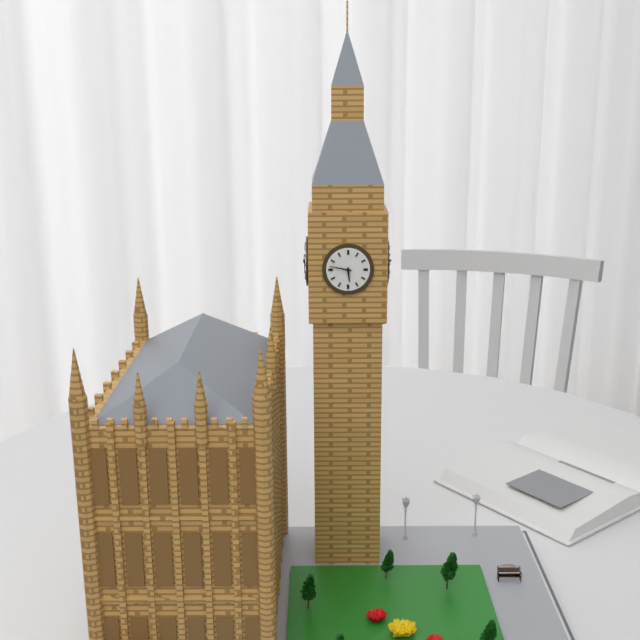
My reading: 5:47
